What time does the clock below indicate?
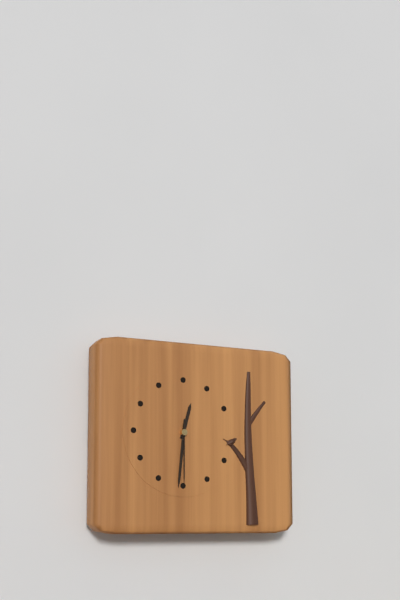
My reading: 12:31:30
